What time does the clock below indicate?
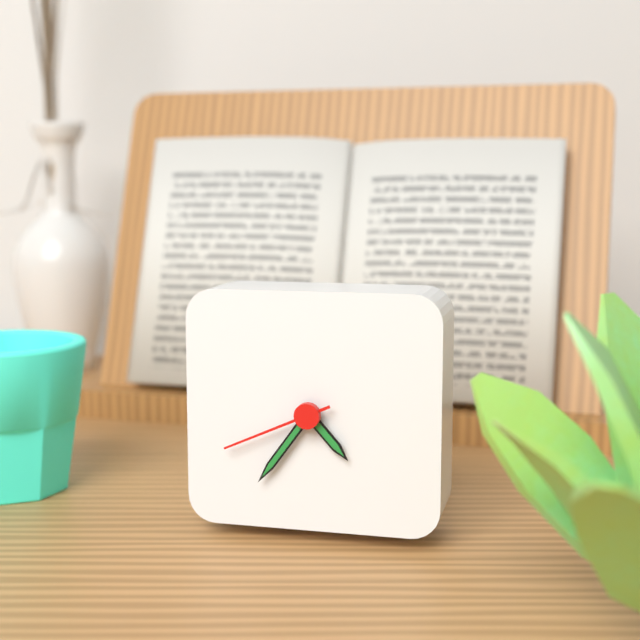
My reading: 4:36:41
